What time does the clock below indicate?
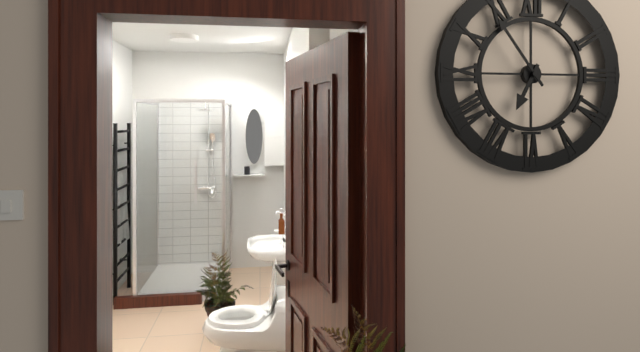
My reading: 6:54
